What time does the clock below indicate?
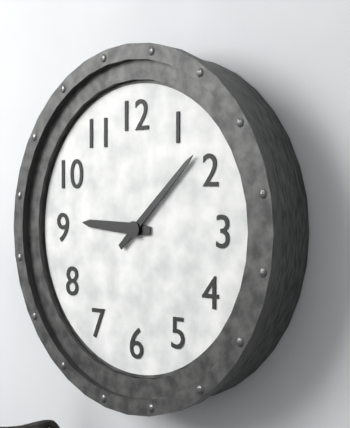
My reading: 9:08
